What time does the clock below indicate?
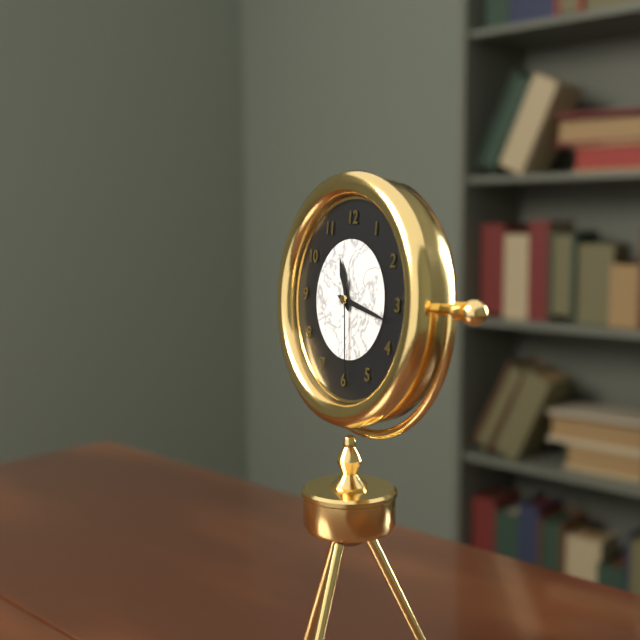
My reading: 11:17:29
